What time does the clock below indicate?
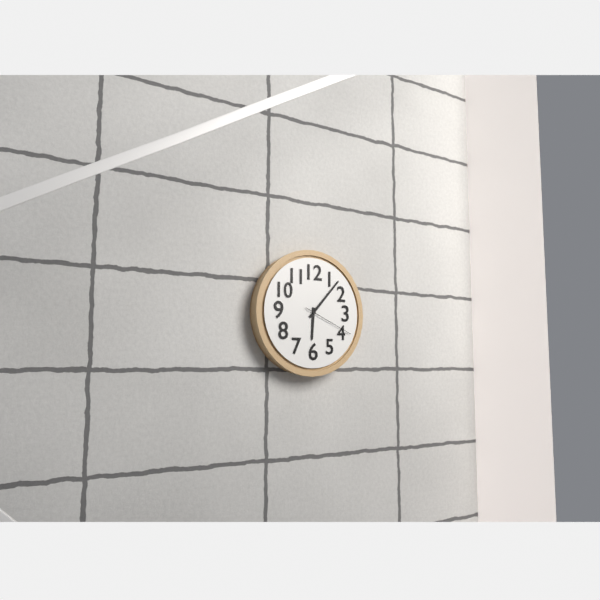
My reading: 6:07:19
